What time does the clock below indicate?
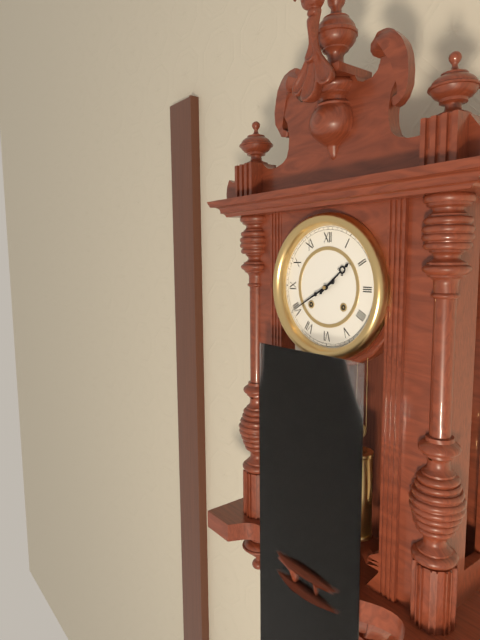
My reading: 1:40
